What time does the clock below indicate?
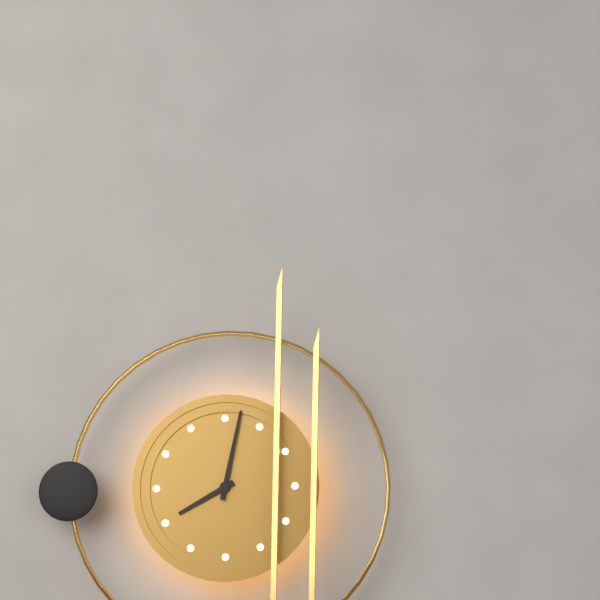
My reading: 8:02
